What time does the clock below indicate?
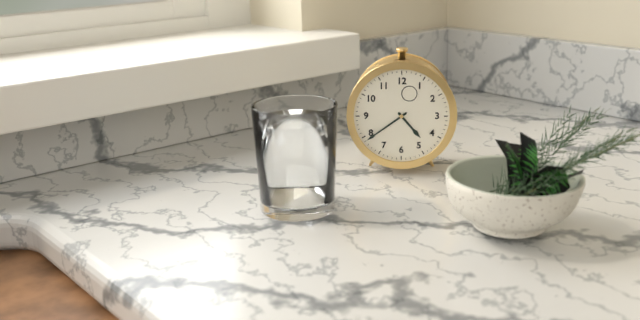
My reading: 4:39
